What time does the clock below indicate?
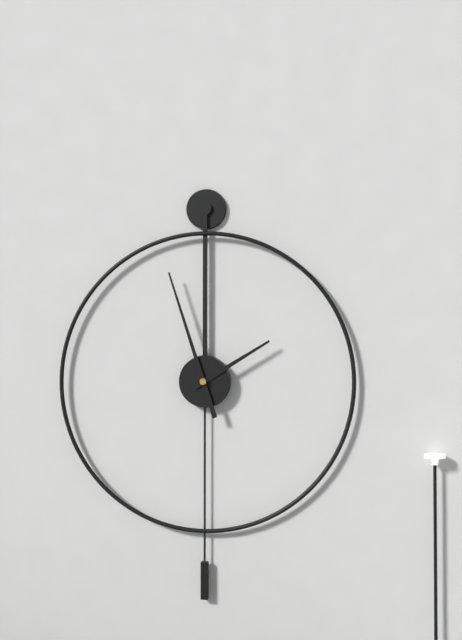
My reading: 1:57
